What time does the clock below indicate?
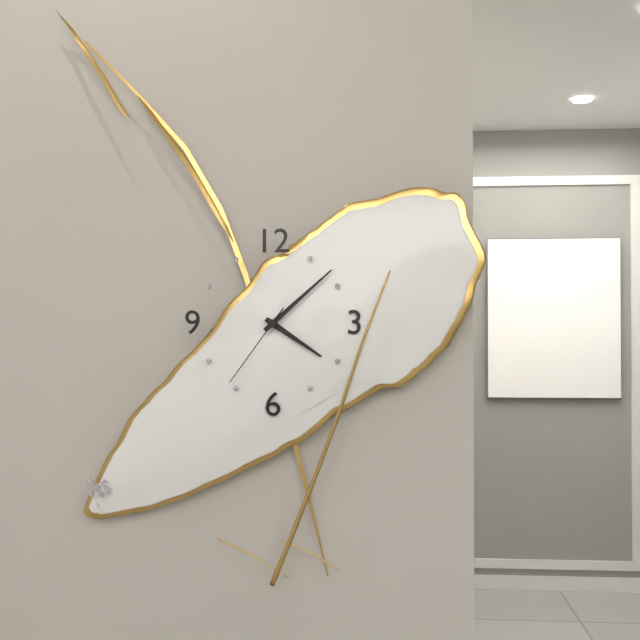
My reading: 4:08:36
